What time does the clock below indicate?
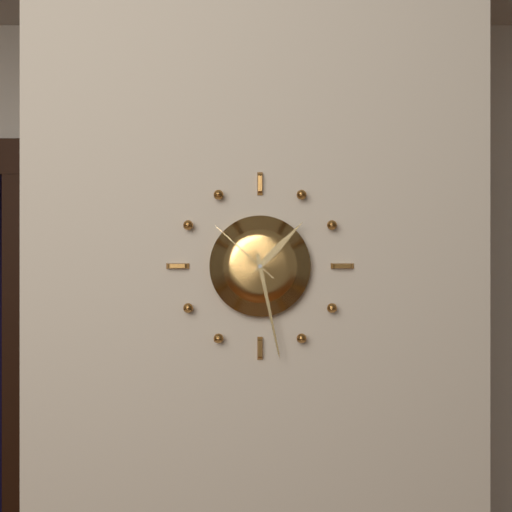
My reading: 1:28:52
